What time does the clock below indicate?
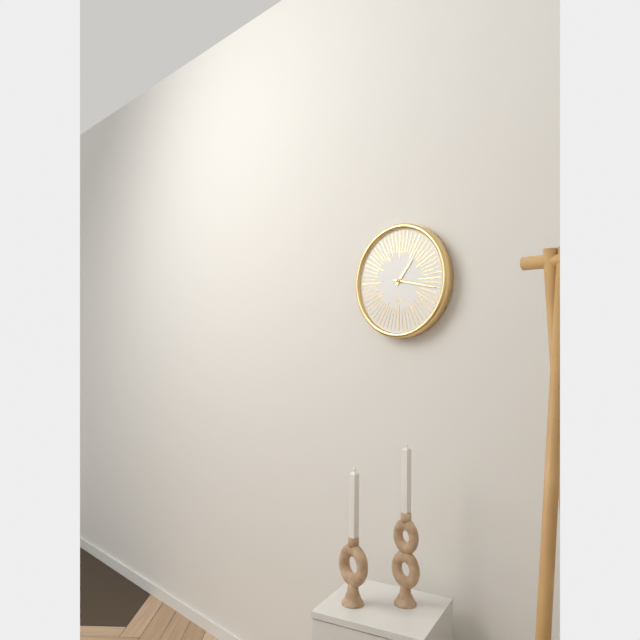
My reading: 1:17
